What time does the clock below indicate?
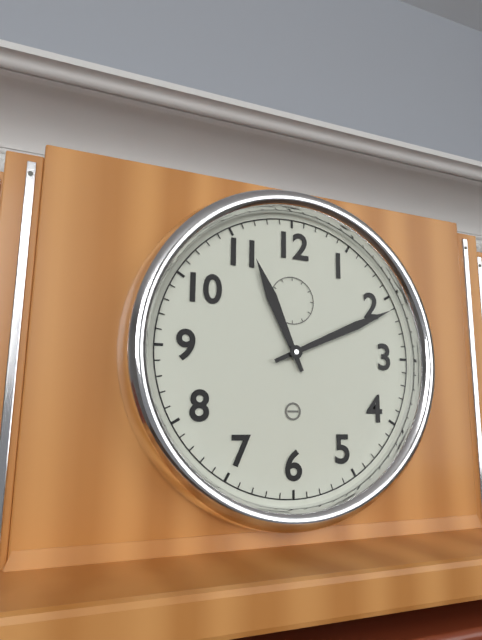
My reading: 11:11
